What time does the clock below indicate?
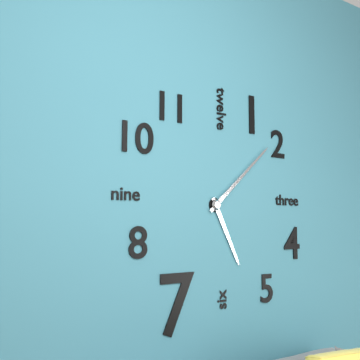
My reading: 5:08
